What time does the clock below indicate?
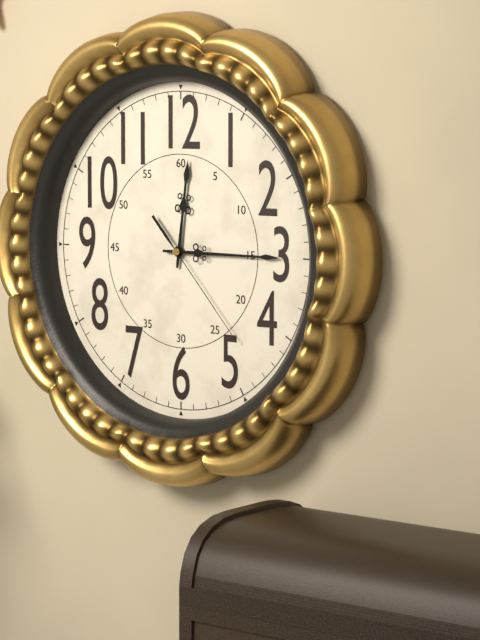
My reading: 12:15:23
